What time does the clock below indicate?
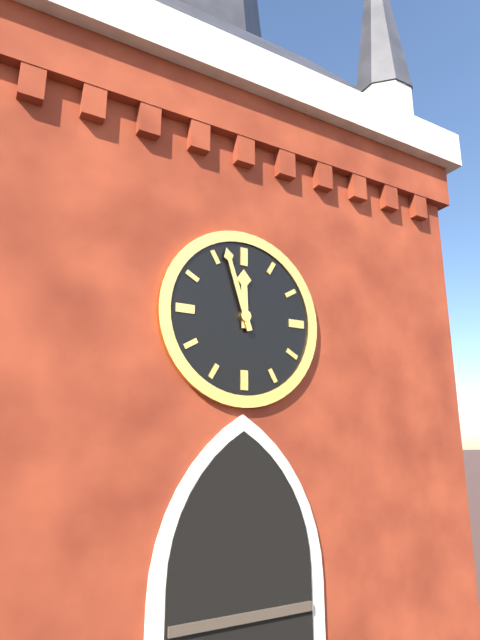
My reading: 11:57
